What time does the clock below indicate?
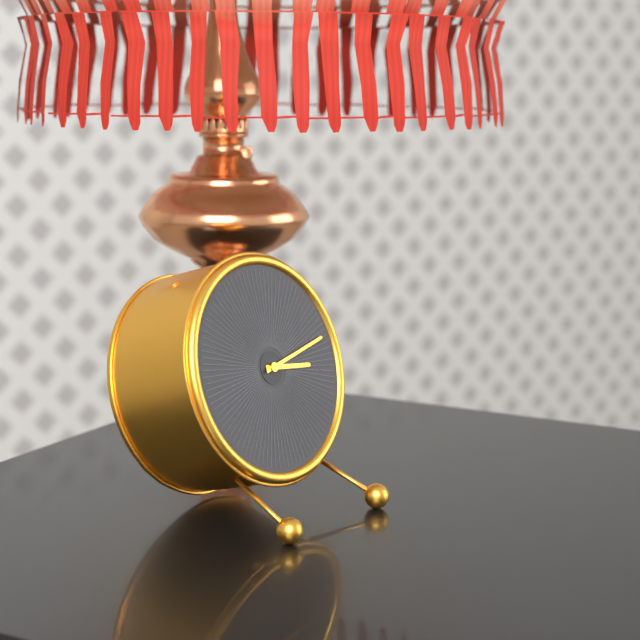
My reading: 3:13
